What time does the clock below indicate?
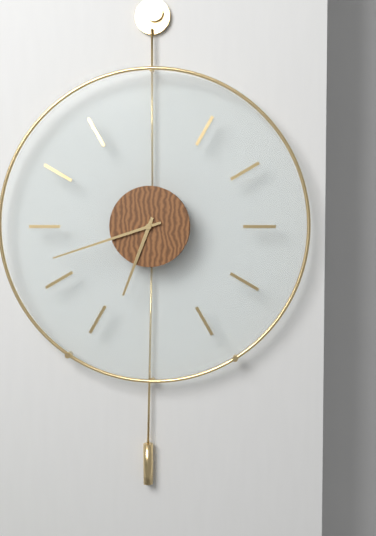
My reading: 6:42
